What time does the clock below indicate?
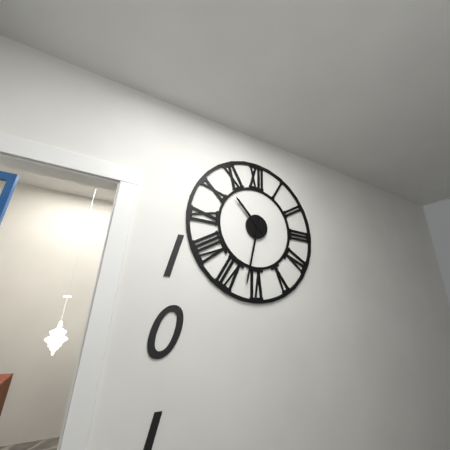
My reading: 10:32
